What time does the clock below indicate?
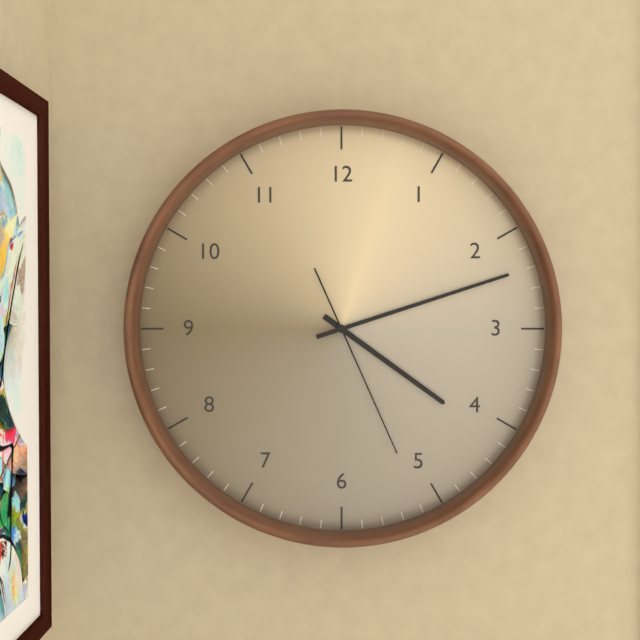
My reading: 4:12:26
